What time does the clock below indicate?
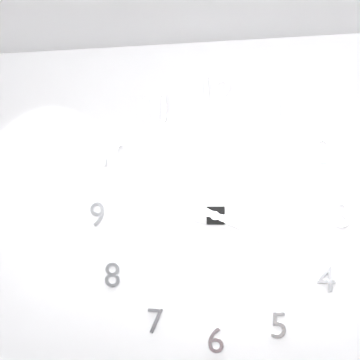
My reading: 3:47
